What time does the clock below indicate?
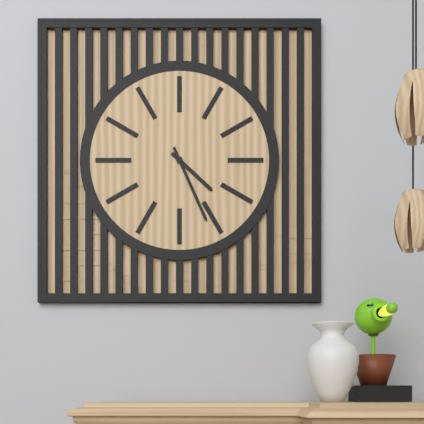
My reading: 4:26
